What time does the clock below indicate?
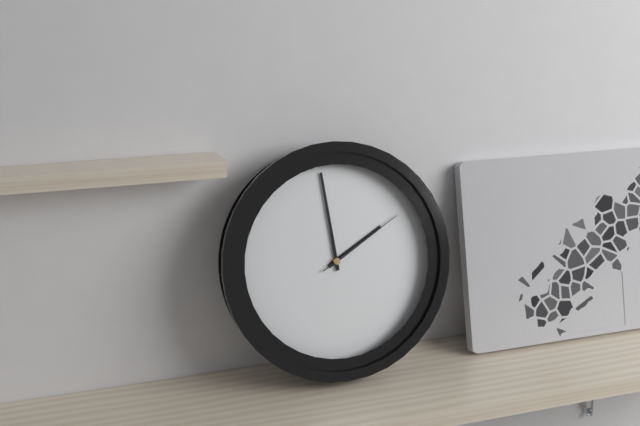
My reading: 1:59:10
